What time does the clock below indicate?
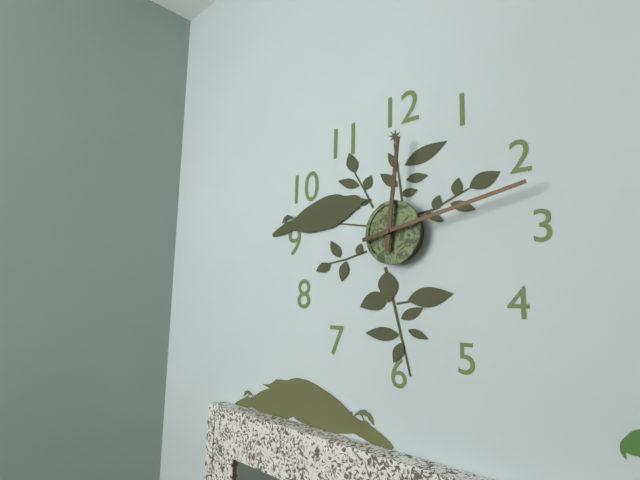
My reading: 12:13
